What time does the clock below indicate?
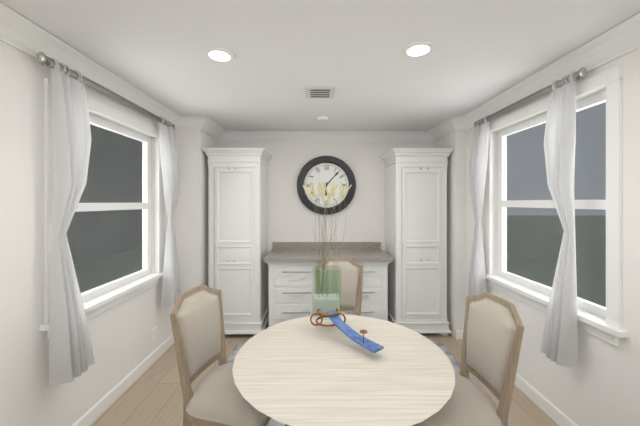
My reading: 6:07
